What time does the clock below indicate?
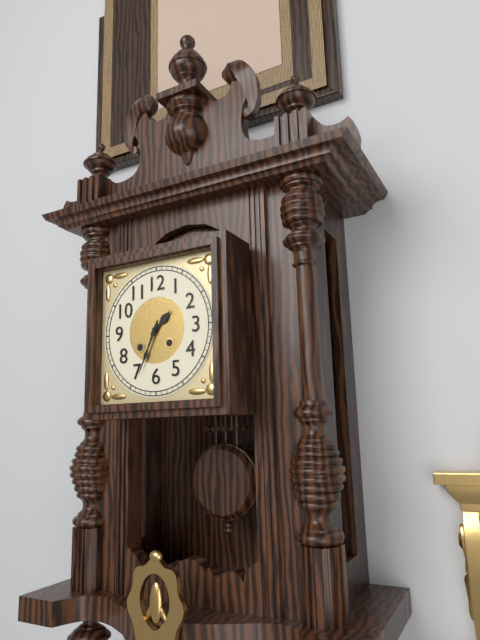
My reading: 1:34
